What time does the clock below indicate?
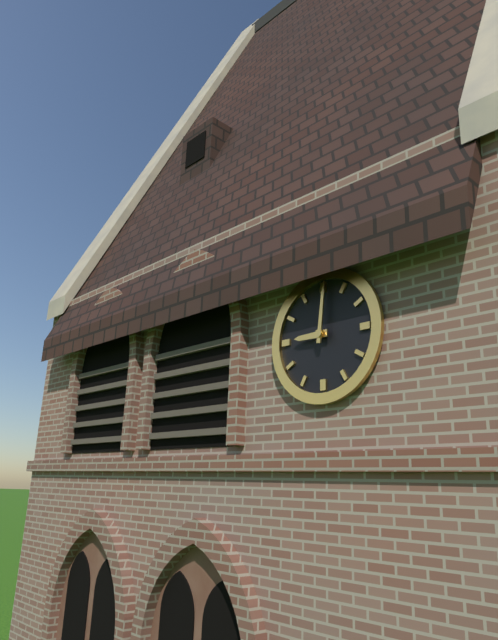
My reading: 9:01
